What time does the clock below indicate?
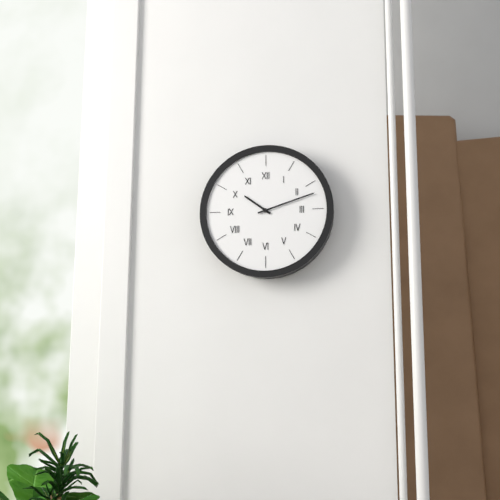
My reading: 10:12
